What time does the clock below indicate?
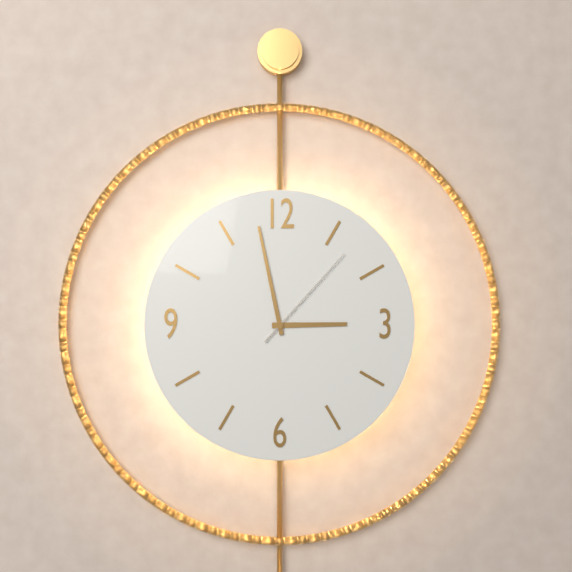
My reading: 2:58:07
